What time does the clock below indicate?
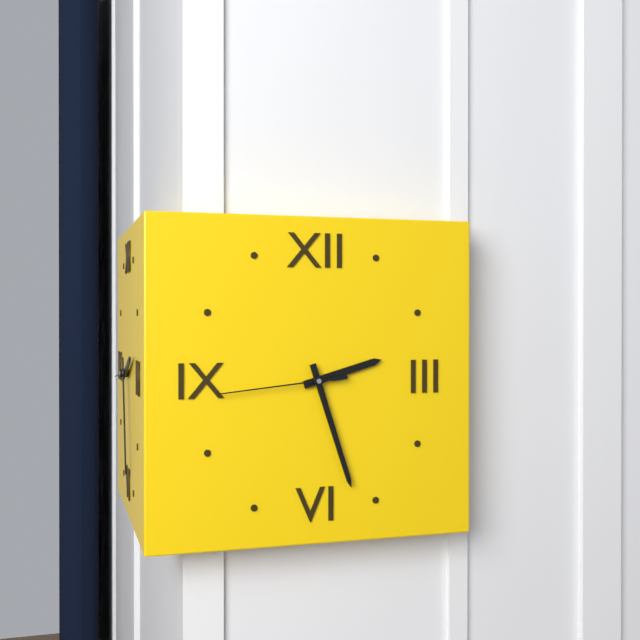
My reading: 2:27:44
